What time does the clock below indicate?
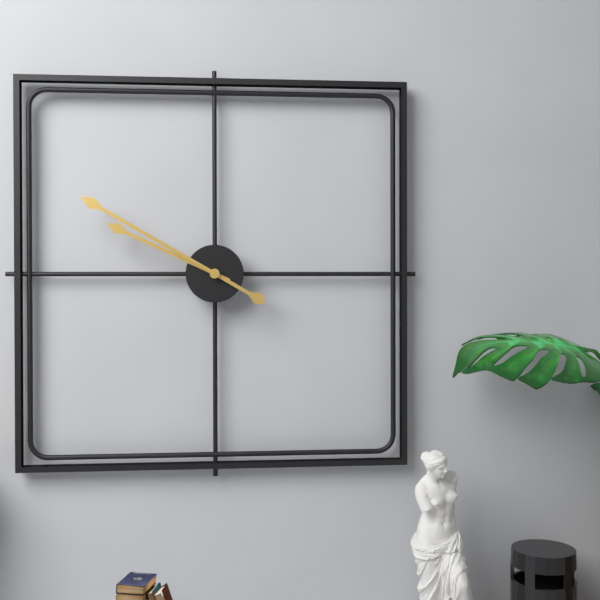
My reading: 9:50
